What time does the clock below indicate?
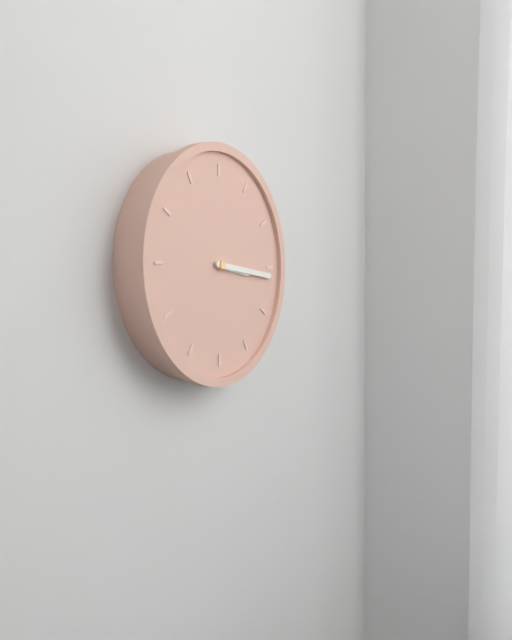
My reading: 3:16
